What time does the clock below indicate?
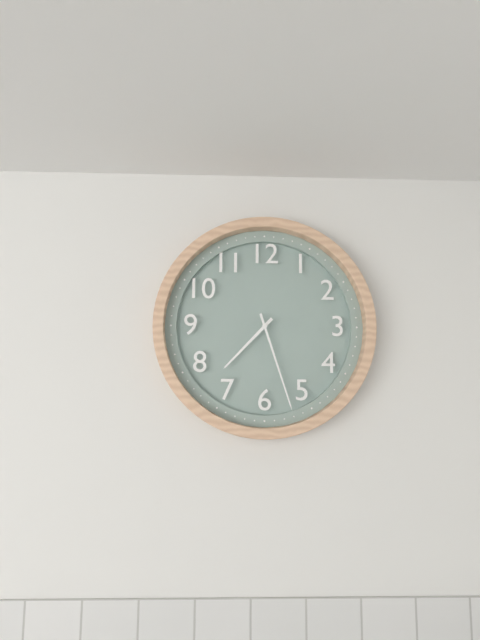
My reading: 7:27
